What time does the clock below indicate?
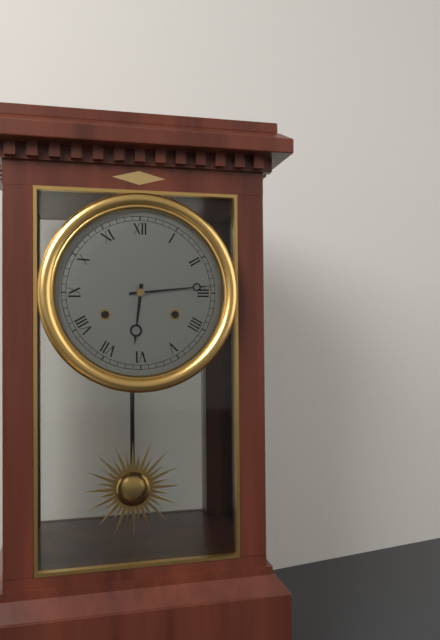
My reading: 6:14
